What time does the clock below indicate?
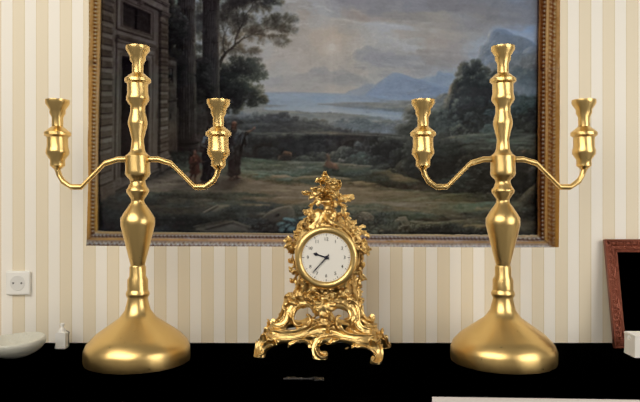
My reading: 9:37
